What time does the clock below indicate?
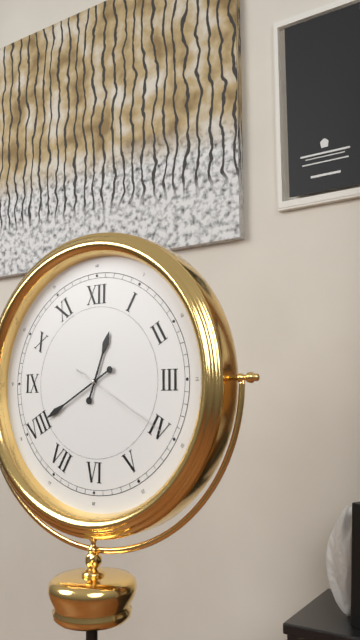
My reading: 12:40:20
